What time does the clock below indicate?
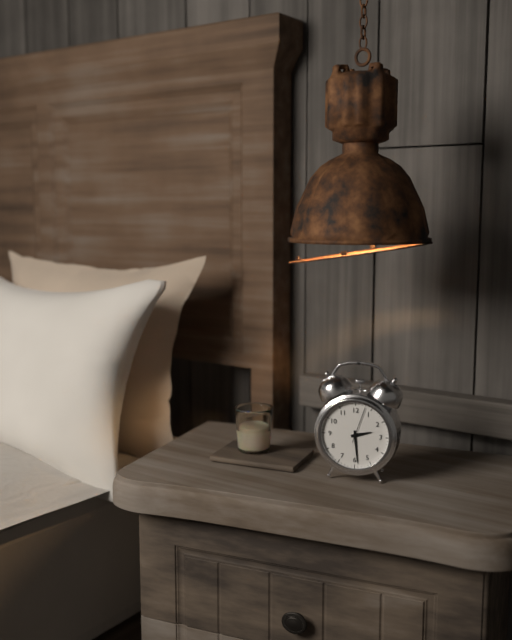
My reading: 2:29
